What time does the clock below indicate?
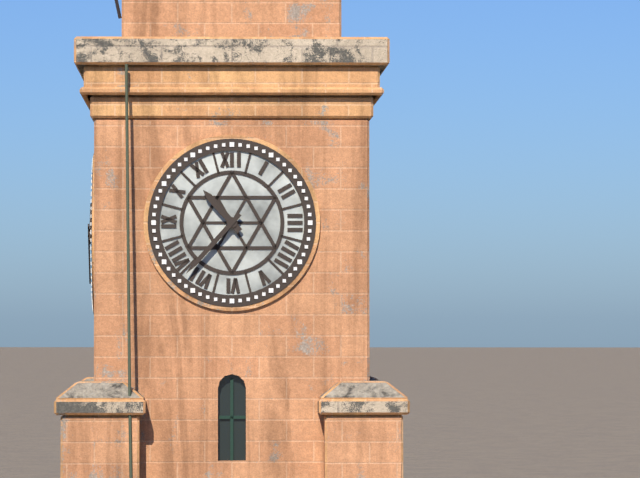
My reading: 10:37
